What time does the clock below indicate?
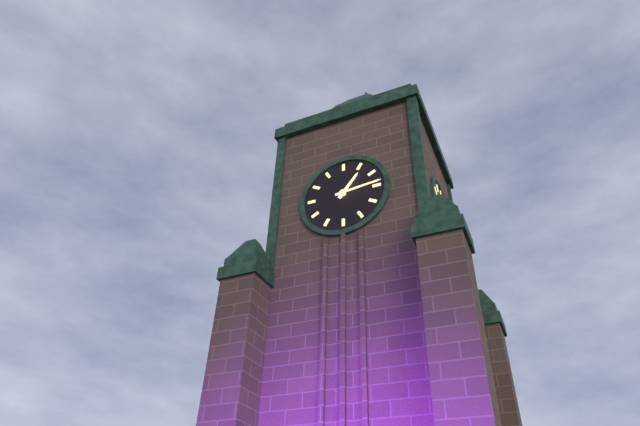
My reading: 1:14
